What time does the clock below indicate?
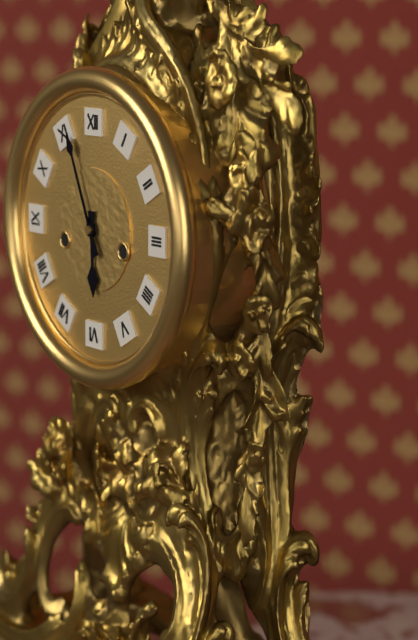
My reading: 5:56
